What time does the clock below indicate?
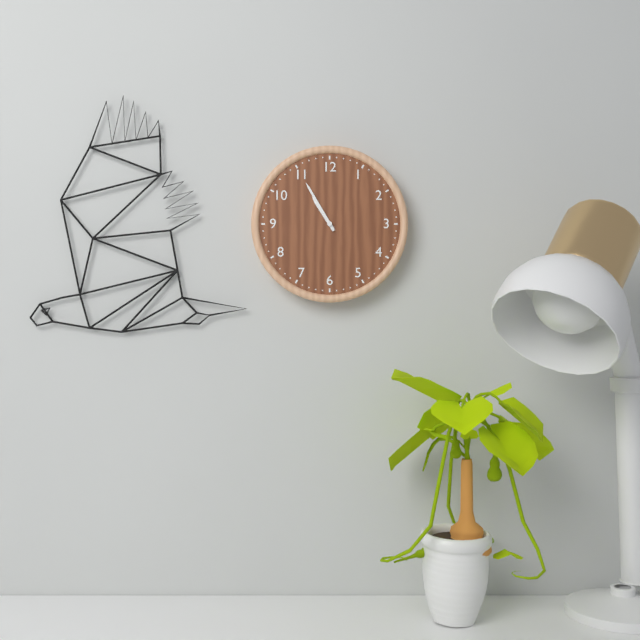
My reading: 10:55
